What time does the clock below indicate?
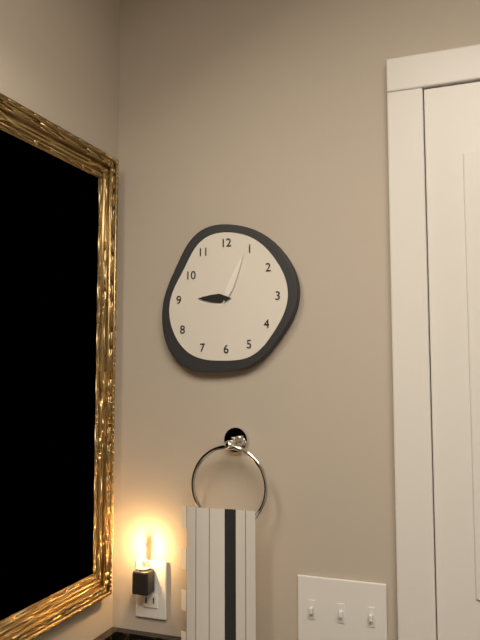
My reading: 9:04
